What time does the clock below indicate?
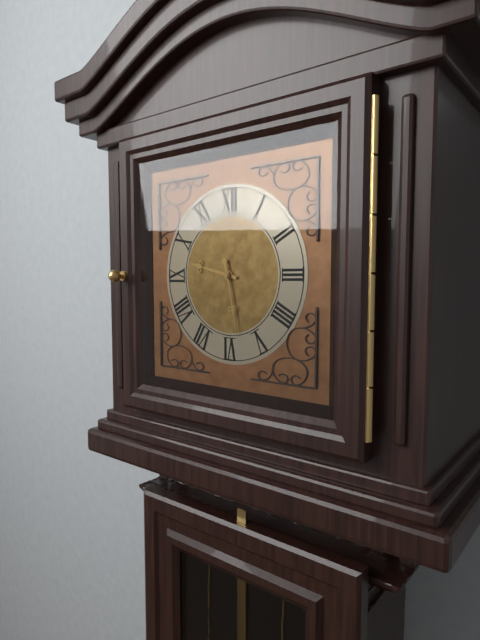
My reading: 9:28
